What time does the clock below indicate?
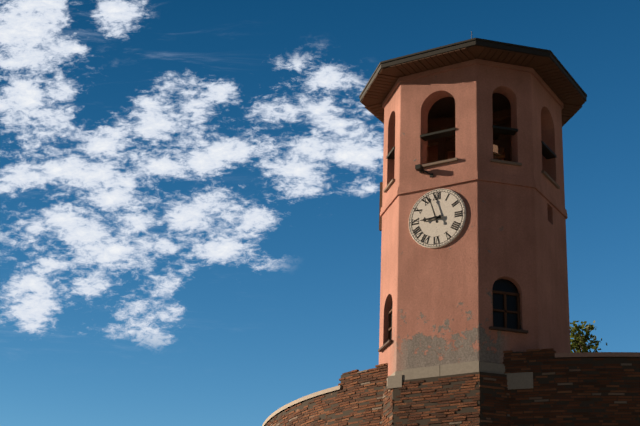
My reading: 8:57
